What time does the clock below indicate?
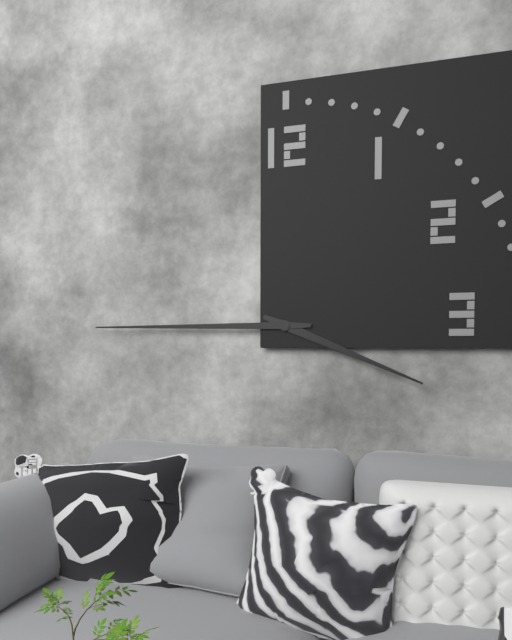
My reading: 3:45
